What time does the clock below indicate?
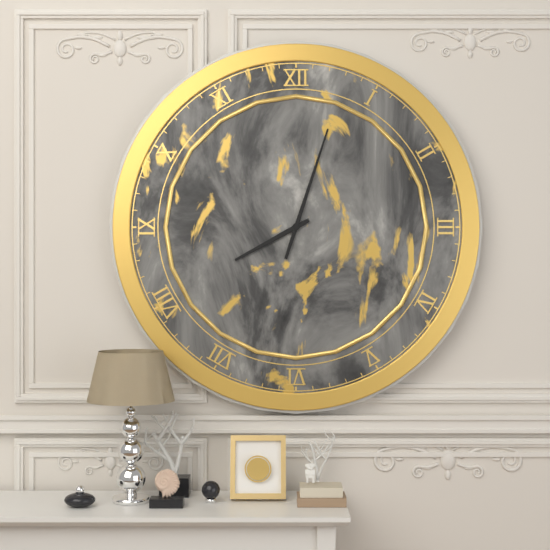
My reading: 8:03
